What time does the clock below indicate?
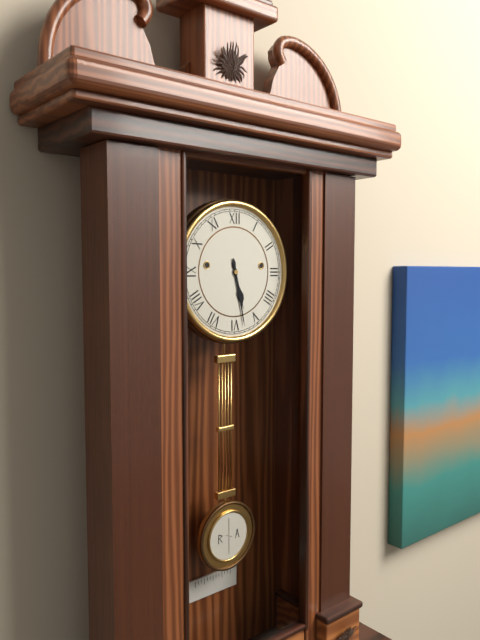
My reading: 5:28
